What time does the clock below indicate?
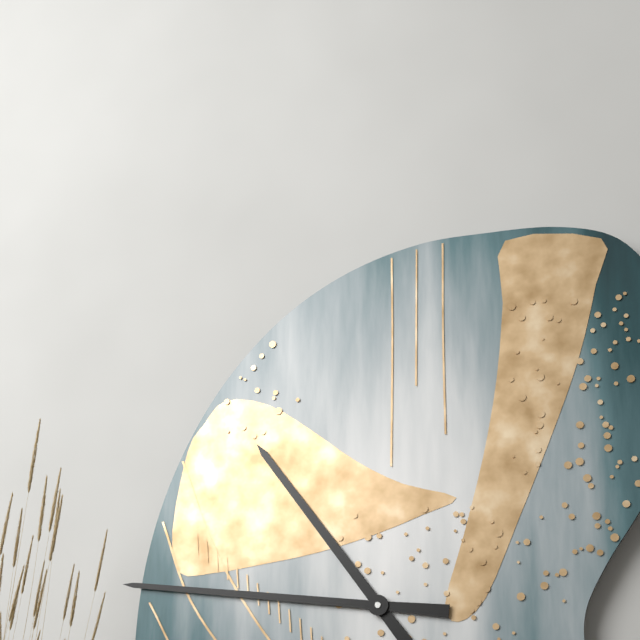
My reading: 10:46
